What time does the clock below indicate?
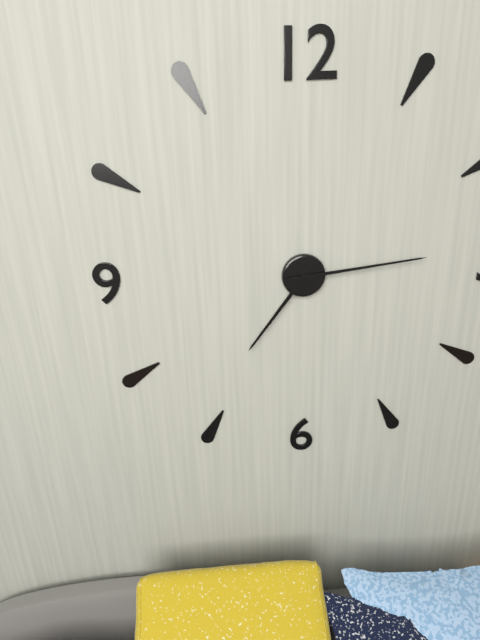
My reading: 7:14
